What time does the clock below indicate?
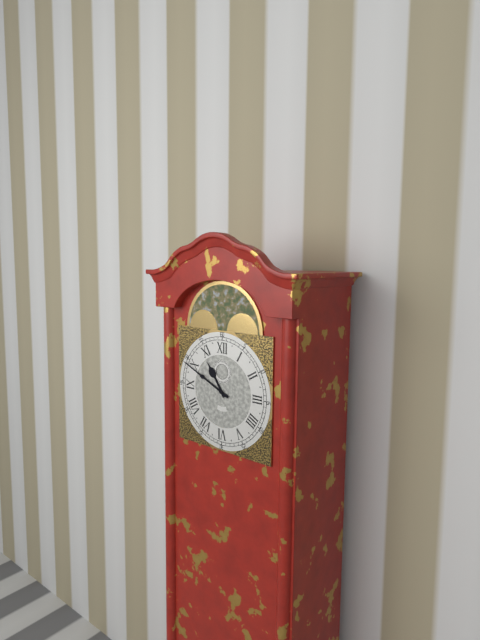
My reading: 10:49
